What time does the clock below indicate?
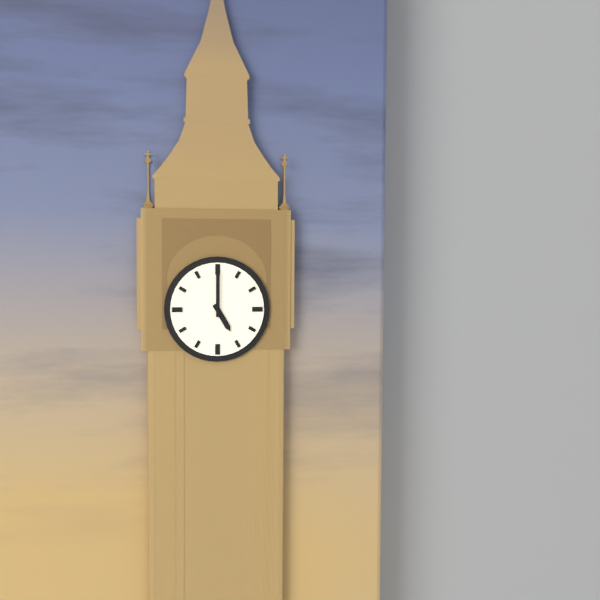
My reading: 5:00
